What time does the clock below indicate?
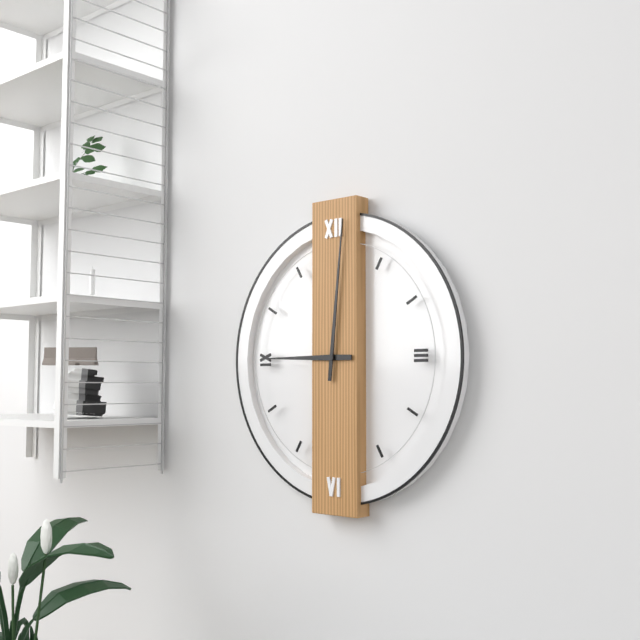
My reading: 9:01
